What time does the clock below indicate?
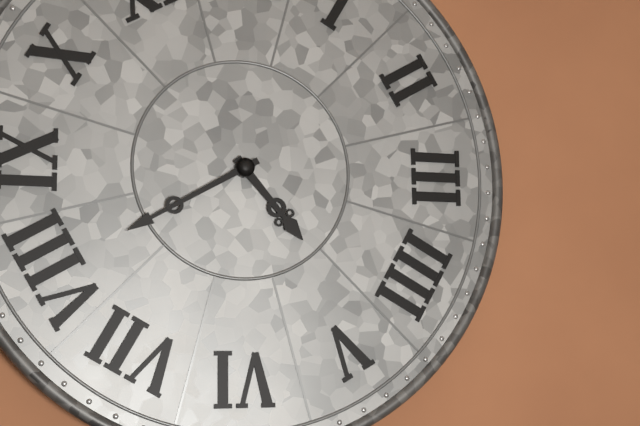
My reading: 4:40
